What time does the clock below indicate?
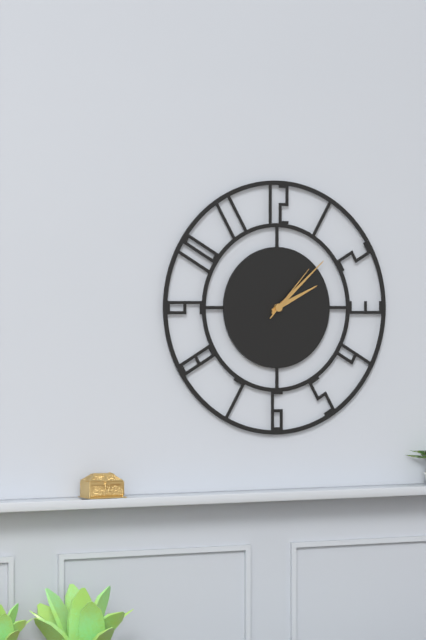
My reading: 2:08:07
